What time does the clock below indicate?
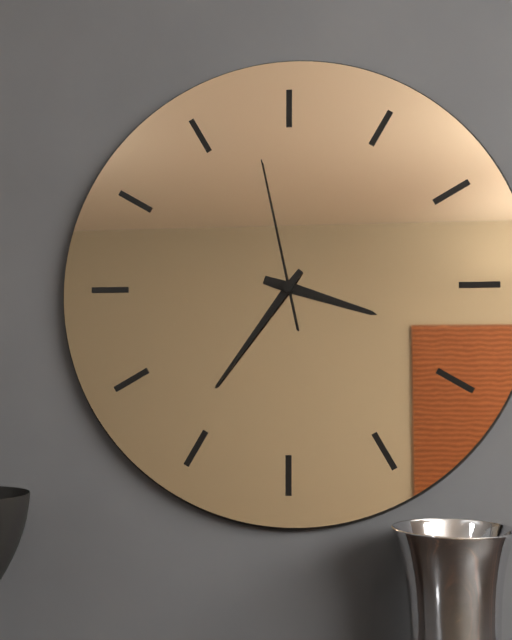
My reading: 3:36:58
